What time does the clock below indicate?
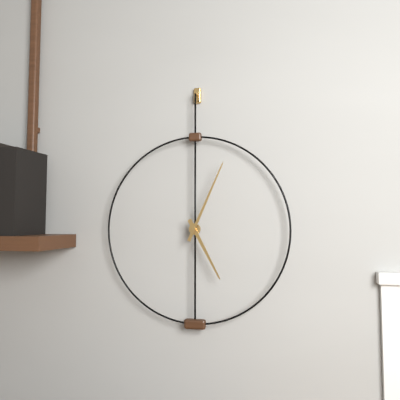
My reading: 5:04
